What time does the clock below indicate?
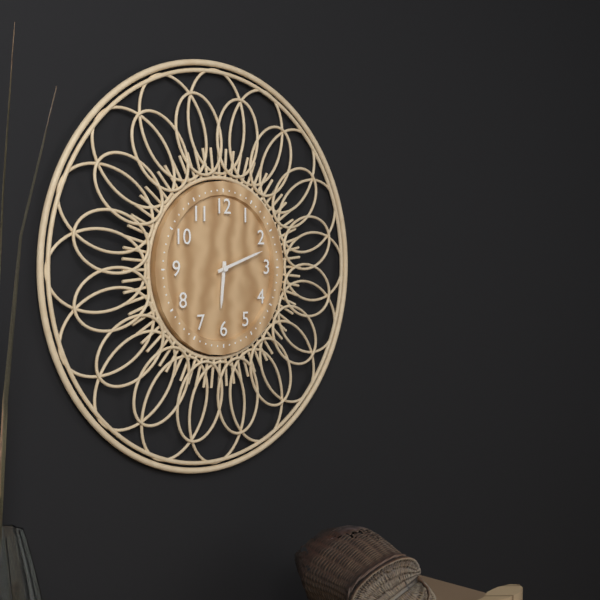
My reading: 6:12
